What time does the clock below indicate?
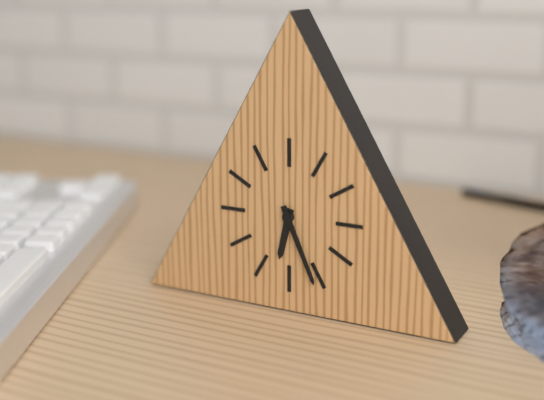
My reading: 6:26
